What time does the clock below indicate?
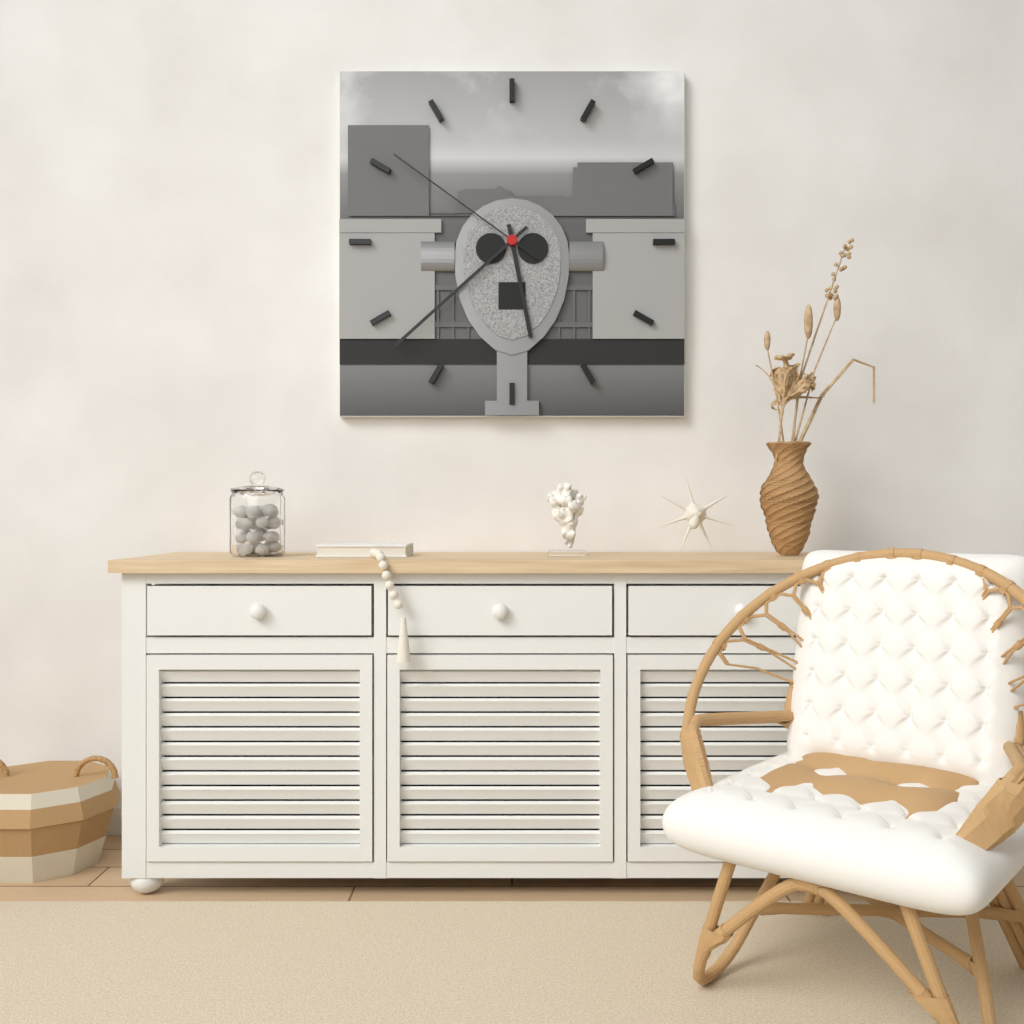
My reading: 5:38:51
